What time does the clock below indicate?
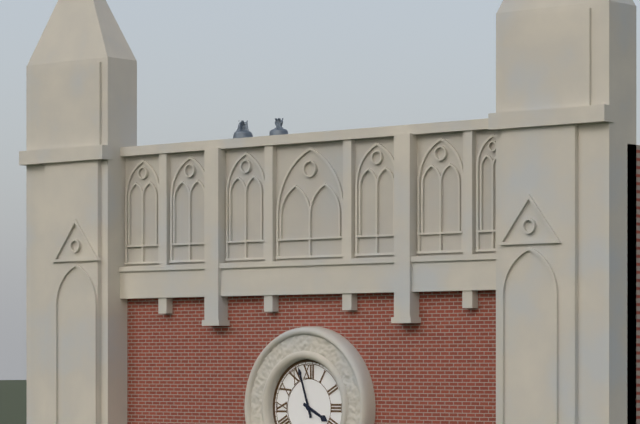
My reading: 3:57
